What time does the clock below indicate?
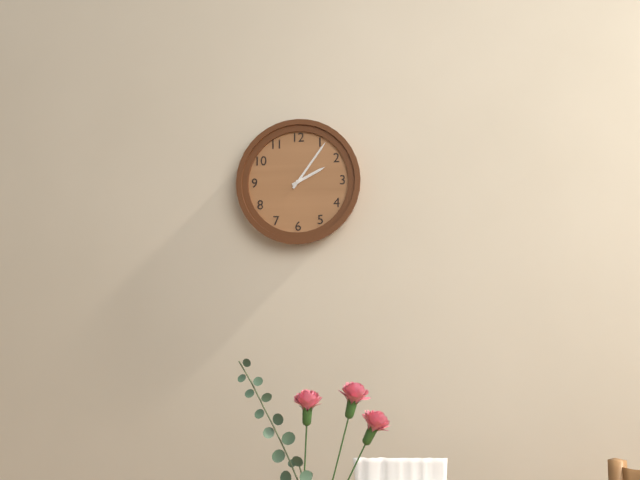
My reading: 2:06
